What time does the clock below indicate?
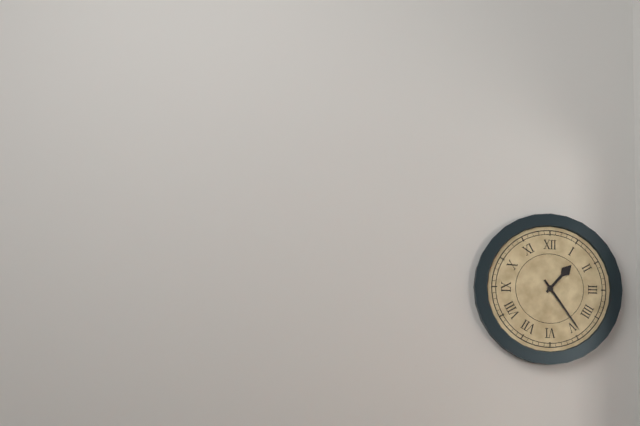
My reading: 1:24
